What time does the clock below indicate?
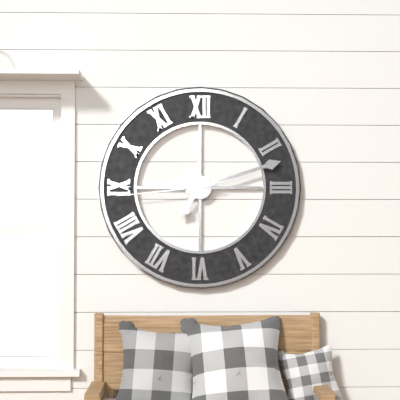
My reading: 7:12:44
